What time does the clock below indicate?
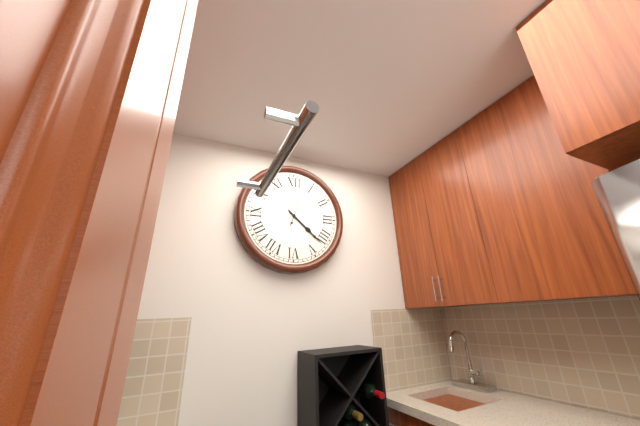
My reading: 4:22
